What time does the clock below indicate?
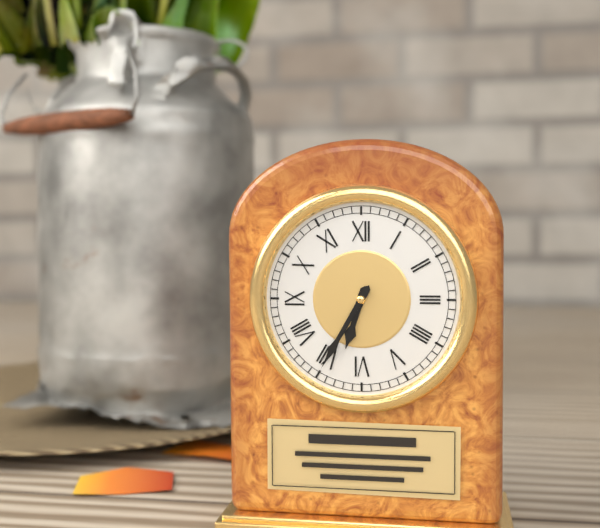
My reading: 6:35
